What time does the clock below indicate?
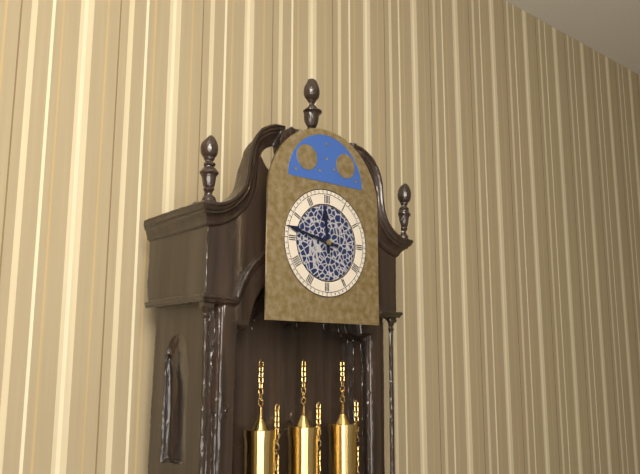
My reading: 11:47
